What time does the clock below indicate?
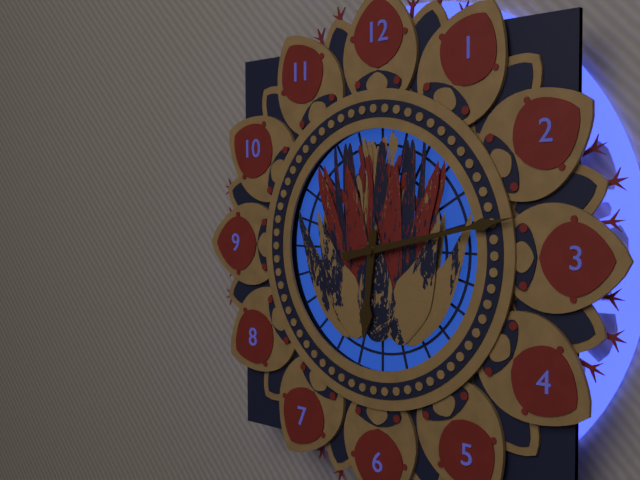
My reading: 6:13
